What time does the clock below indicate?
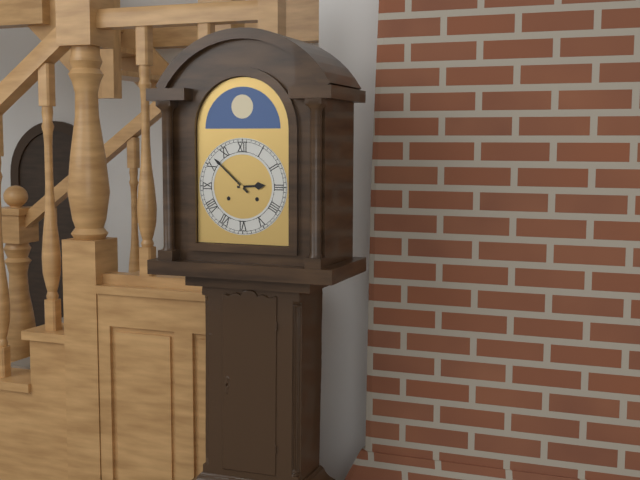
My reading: 2:52
